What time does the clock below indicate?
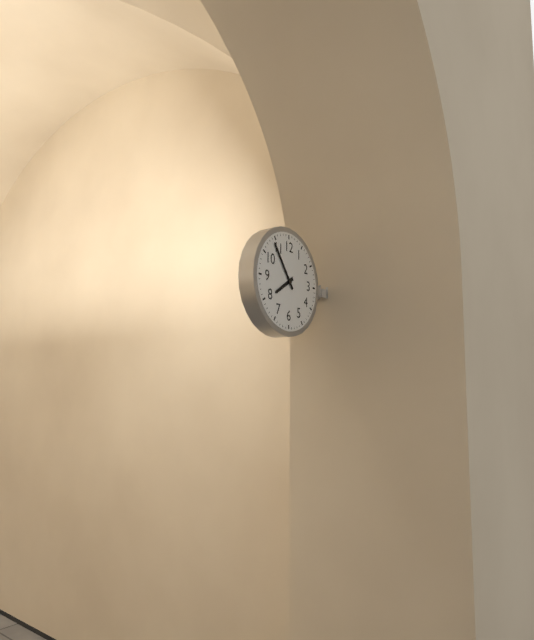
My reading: 7:54
